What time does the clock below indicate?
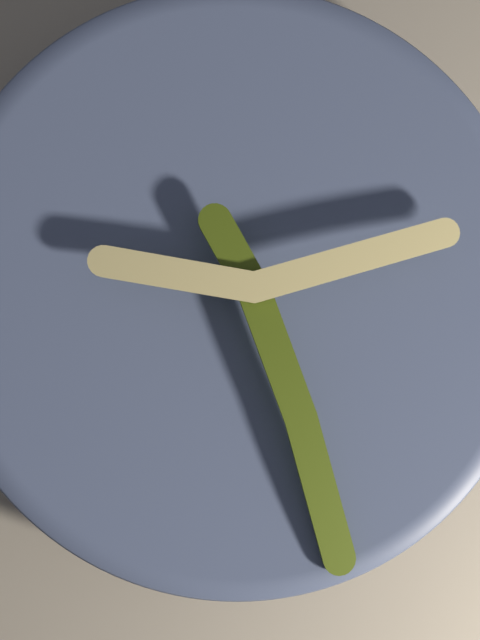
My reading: 2:27
